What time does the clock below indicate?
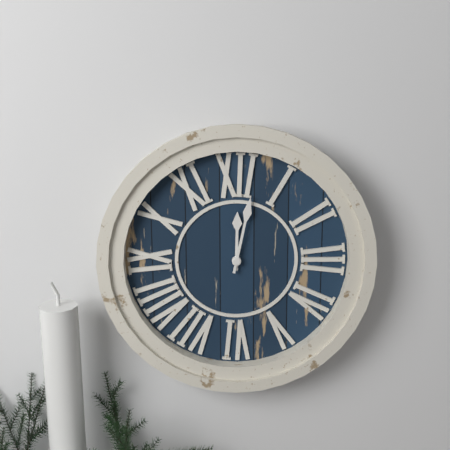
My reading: 12:02
